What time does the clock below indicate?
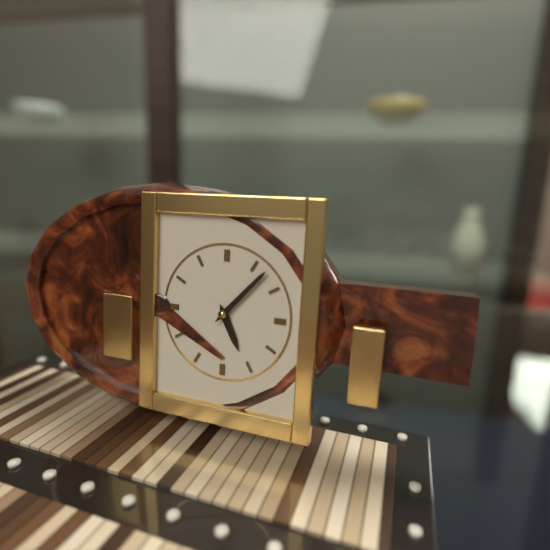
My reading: 5:07
